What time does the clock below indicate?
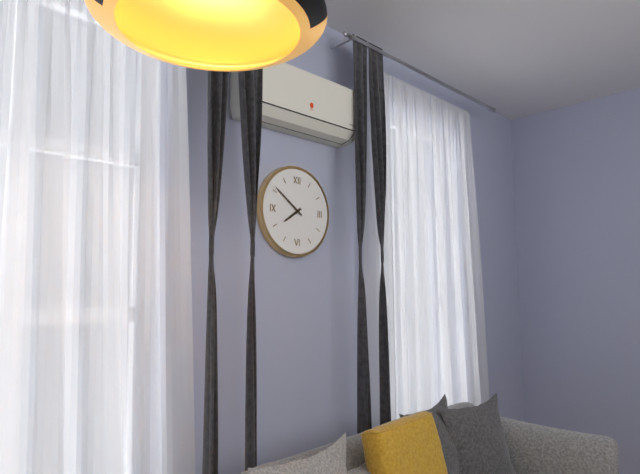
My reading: 7:51
